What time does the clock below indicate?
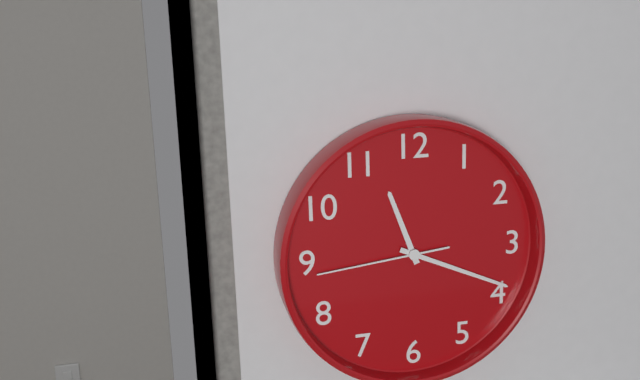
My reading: 11:19:44
